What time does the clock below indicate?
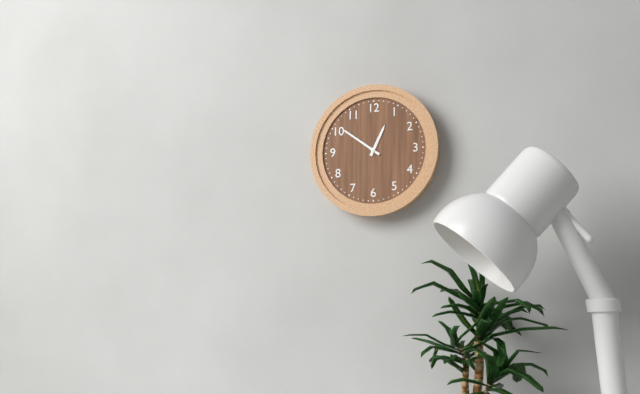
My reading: 12:51
